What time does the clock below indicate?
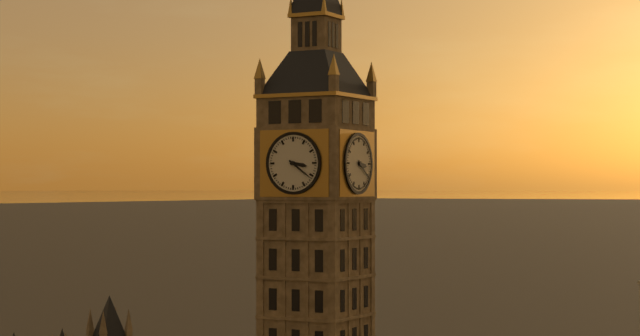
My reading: 3:21
